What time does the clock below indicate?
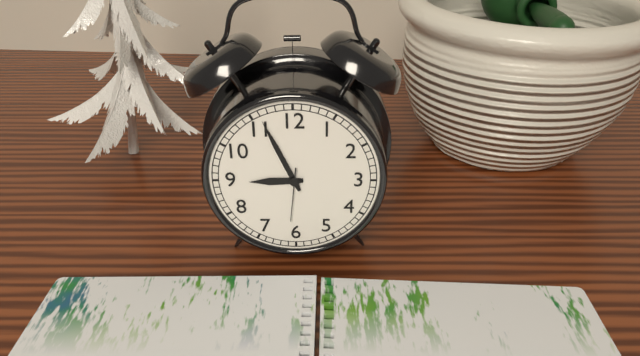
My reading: 8:56:31
